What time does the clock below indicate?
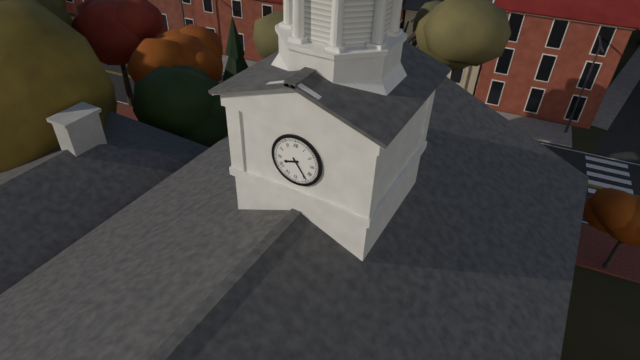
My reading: 8:24
